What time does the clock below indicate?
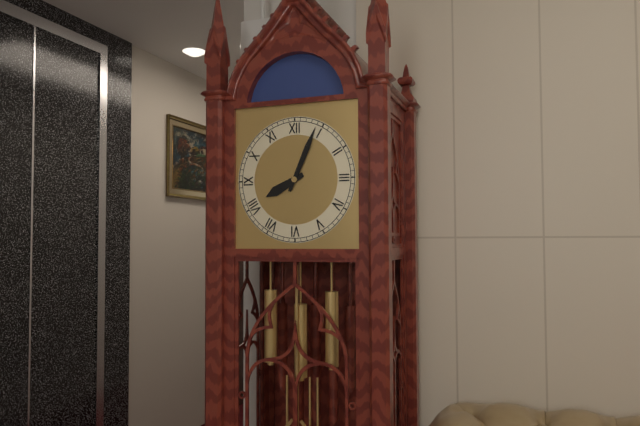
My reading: 8:04
